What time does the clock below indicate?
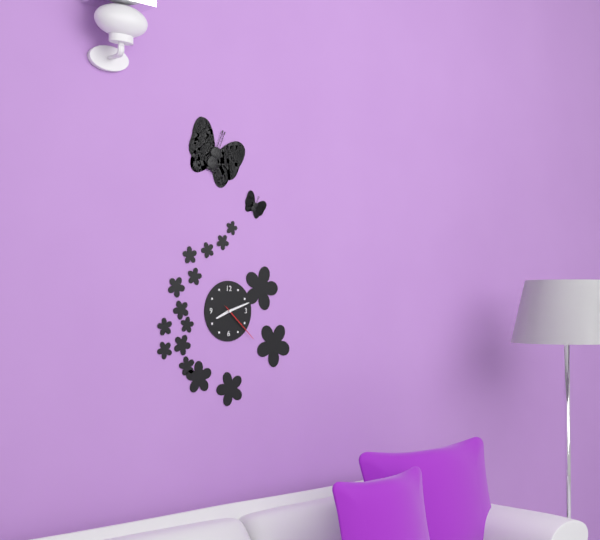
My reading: 8:12
